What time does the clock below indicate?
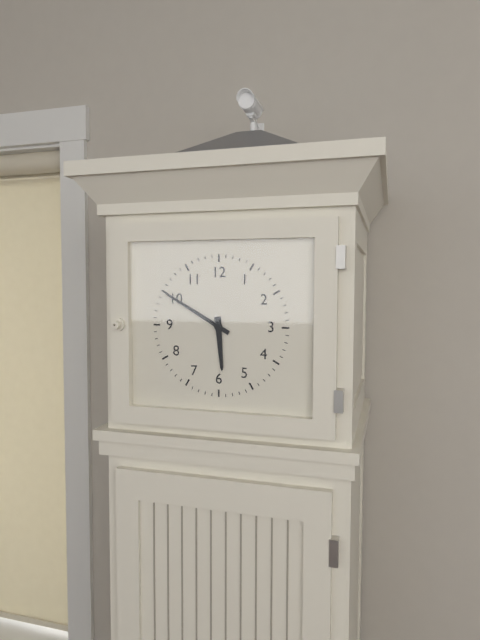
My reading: 5:50
